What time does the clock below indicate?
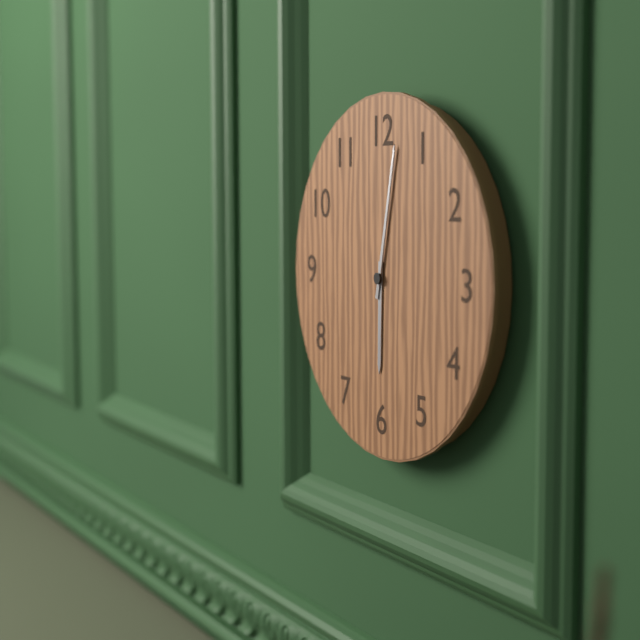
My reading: 6:02
